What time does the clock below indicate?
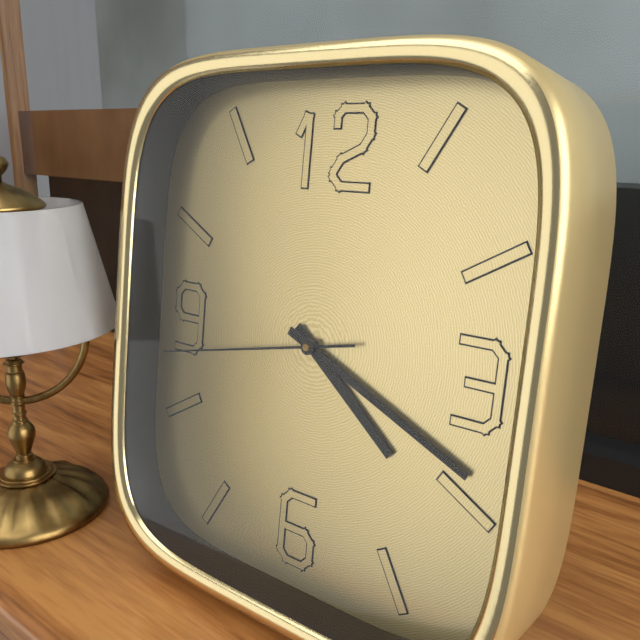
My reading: 4:19:43
